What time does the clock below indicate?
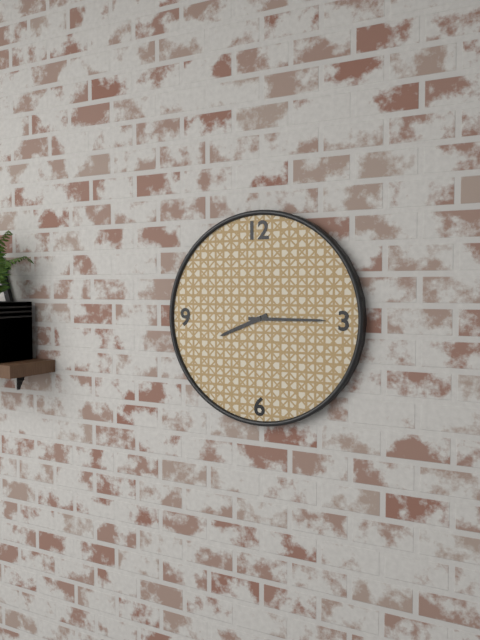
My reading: 8:15
